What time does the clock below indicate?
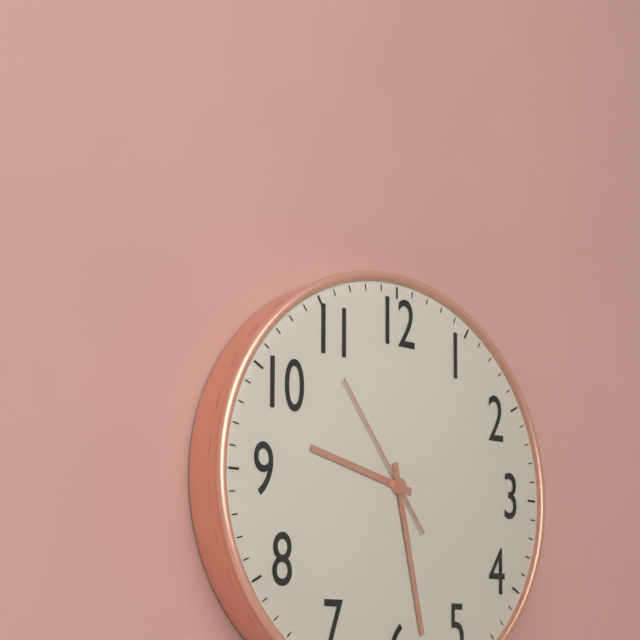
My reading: 9:28:54
